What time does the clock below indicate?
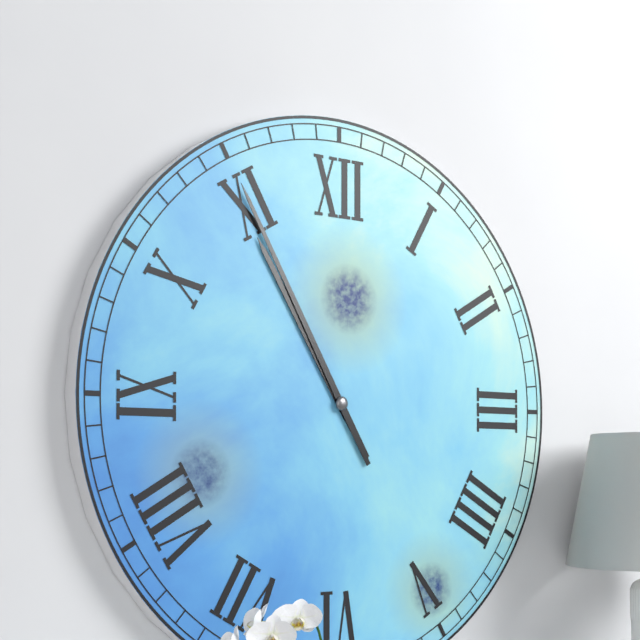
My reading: 10:55
